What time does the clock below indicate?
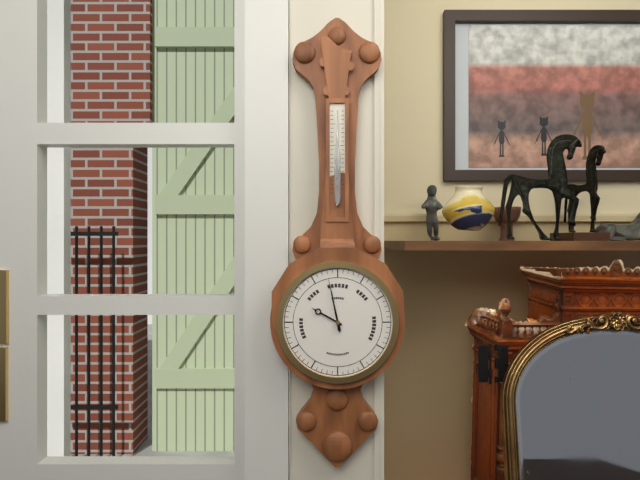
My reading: 9:58
